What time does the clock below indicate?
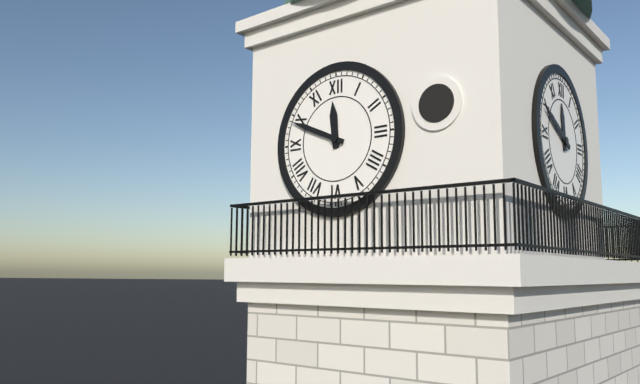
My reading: 11:49
